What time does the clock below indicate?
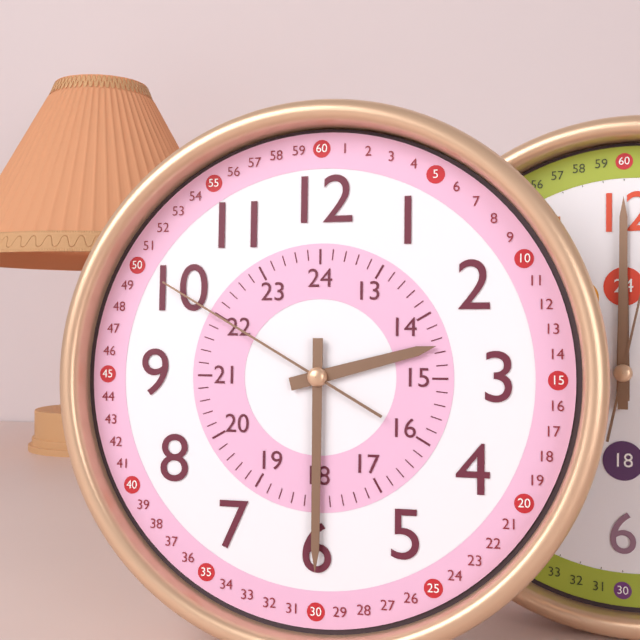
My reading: 2:30:50
